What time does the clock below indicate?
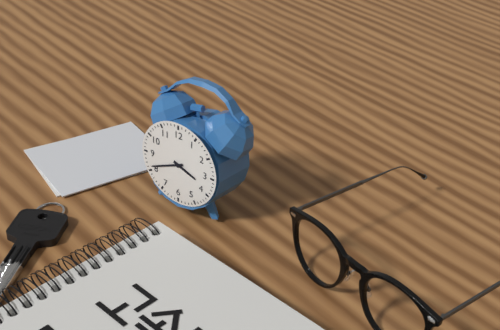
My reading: 3:41
